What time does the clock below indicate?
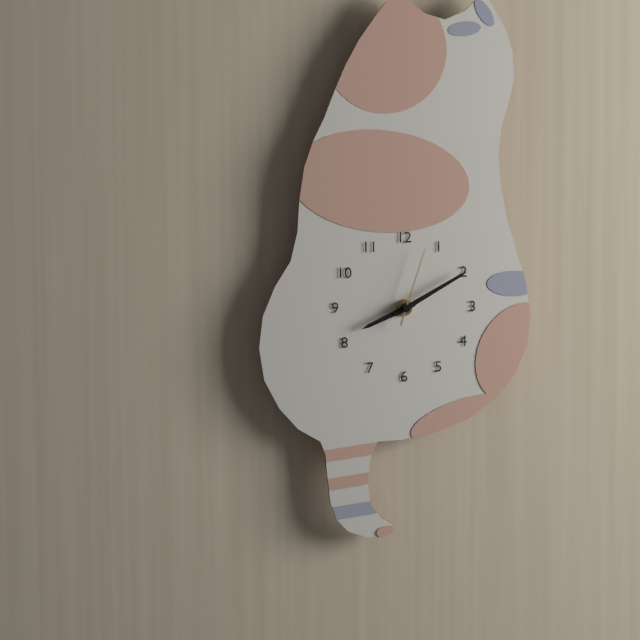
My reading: 8:10:03
